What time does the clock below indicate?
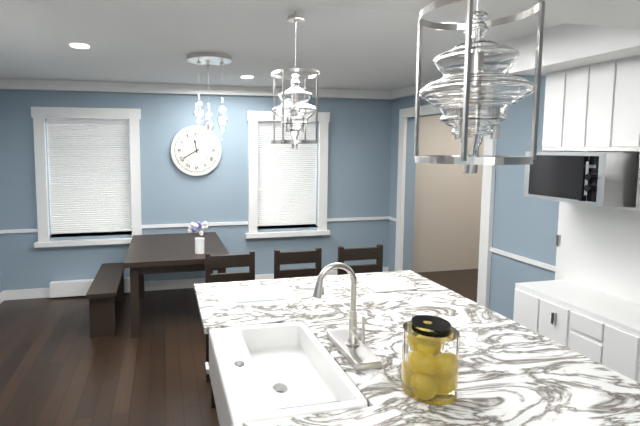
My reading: 11:40
